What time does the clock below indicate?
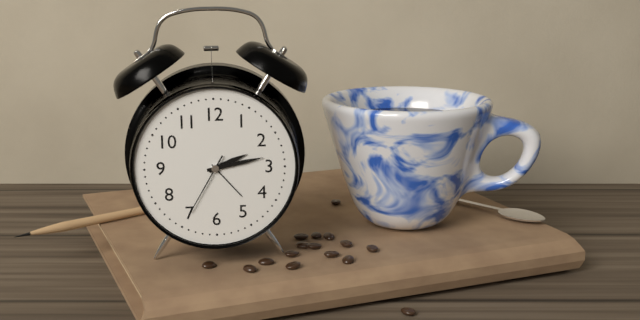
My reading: 2:13:35
